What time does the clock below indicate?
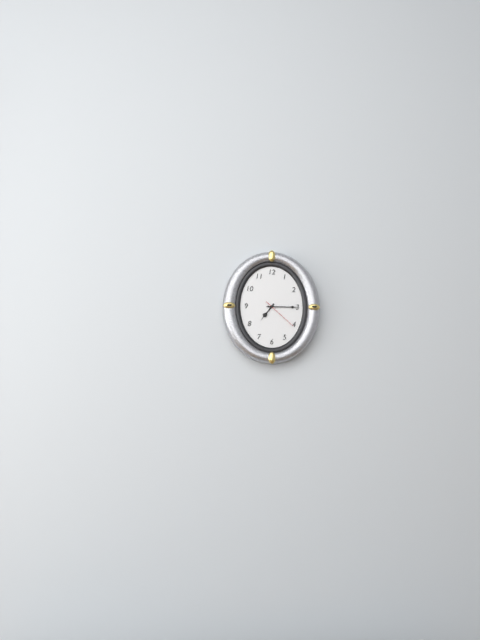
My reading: 7:15
